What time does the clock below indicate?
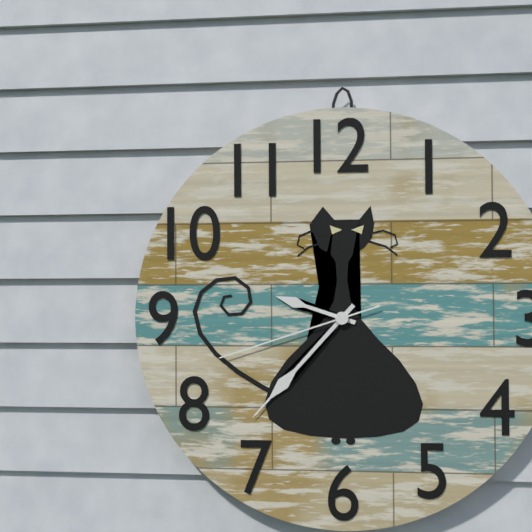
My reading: 9:37:42
